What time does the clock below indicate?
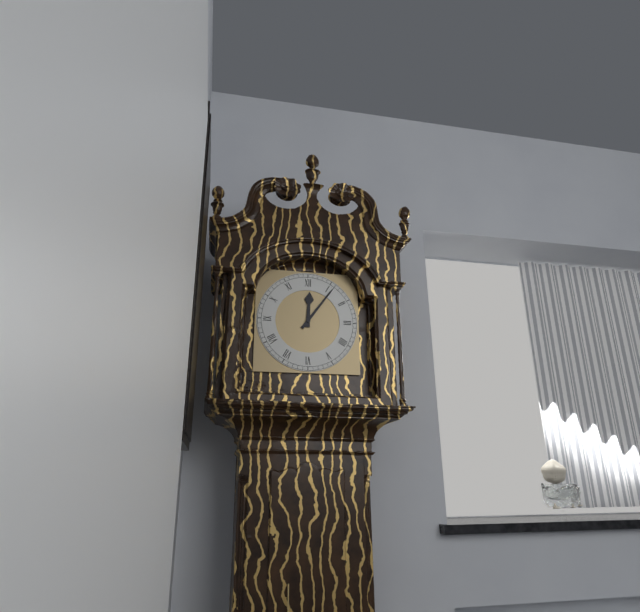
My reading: 12:06
